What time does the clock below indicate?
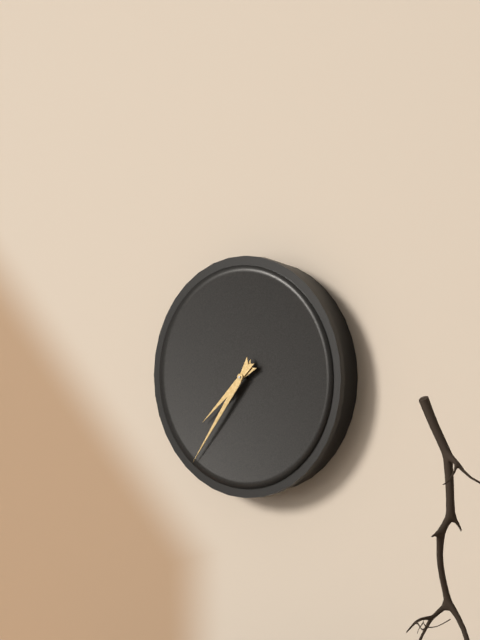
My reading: 7:36
